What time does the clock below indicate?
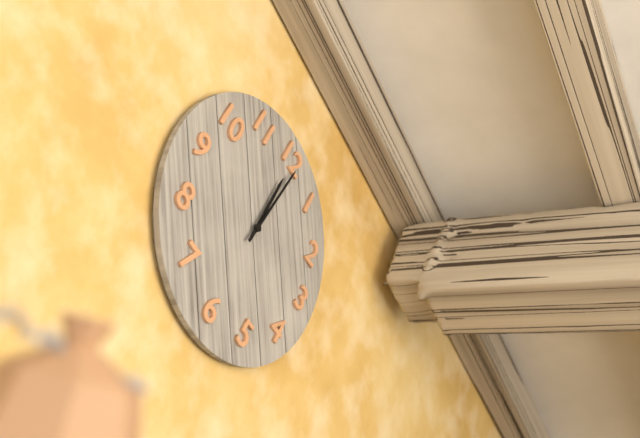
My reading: 12:01
